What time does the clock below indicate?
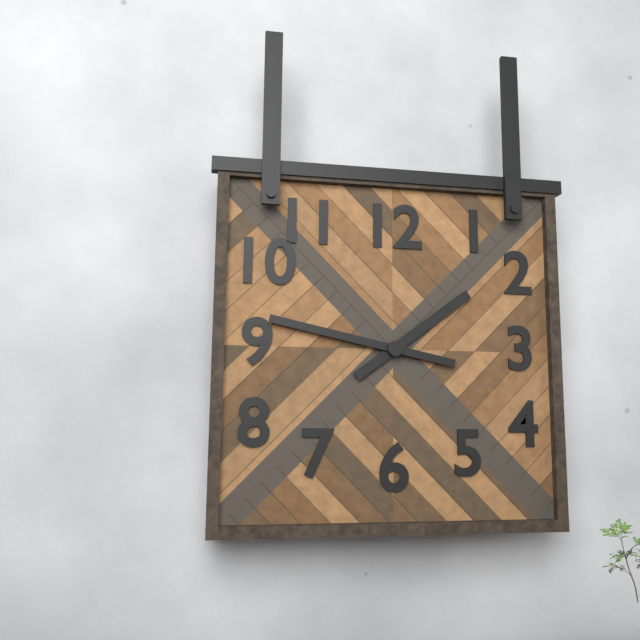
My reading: 1:47
